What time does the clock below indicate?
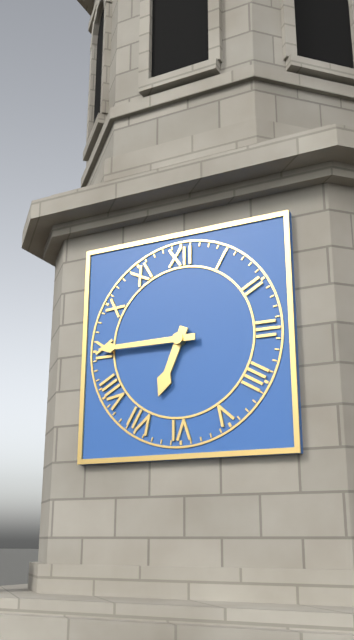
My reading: 6:45
